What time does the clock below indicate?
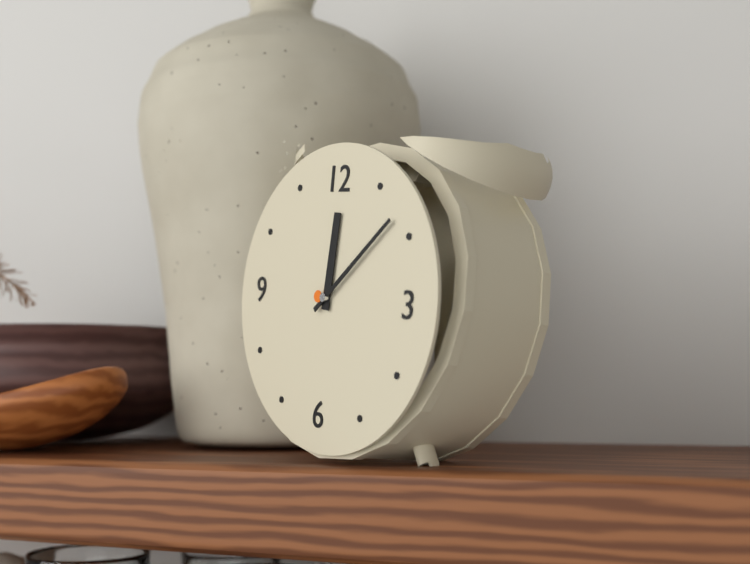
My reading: 12:08
